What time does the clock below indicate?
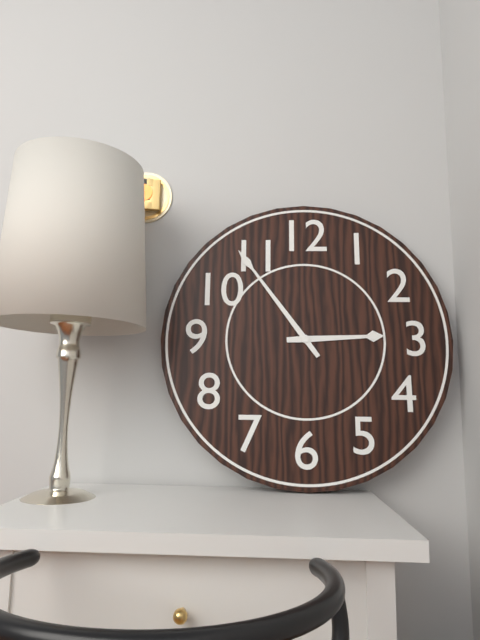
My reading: 2:54
